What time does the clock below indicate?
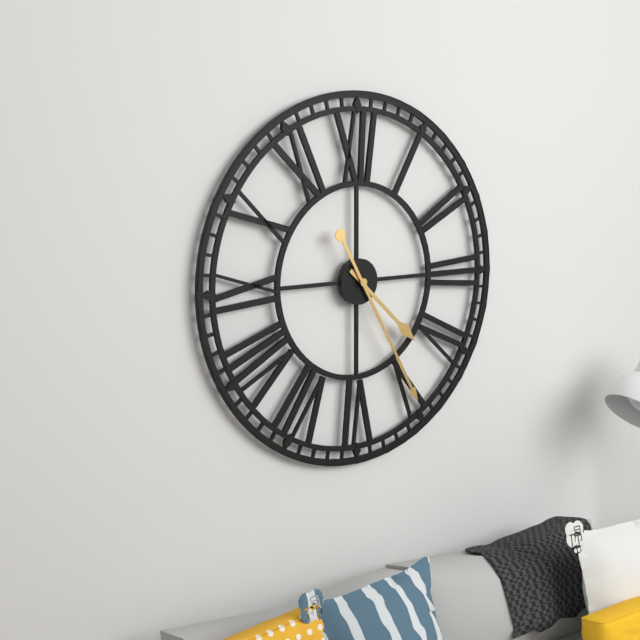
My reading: 4:25
